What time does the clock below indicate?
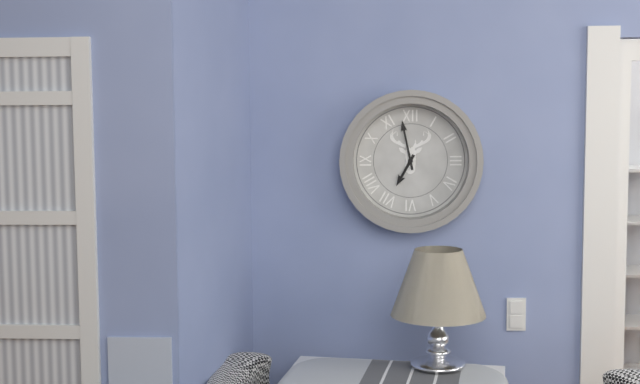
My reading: 6:58
